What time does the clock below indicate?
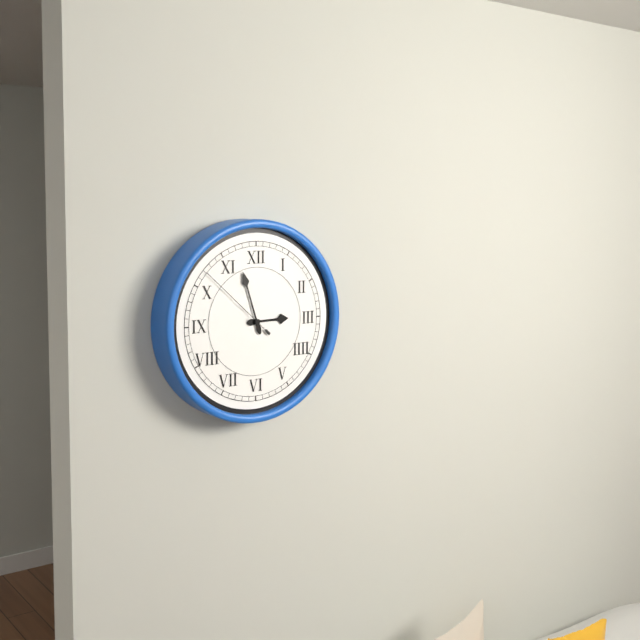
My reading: 2:57:52
